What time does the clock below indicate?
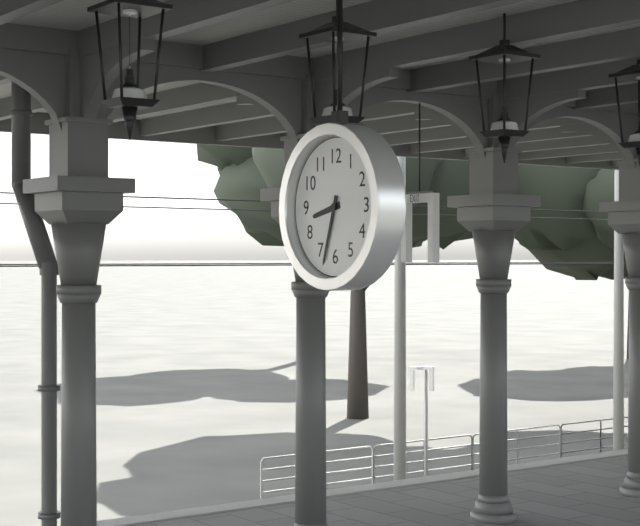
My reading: 8:33
